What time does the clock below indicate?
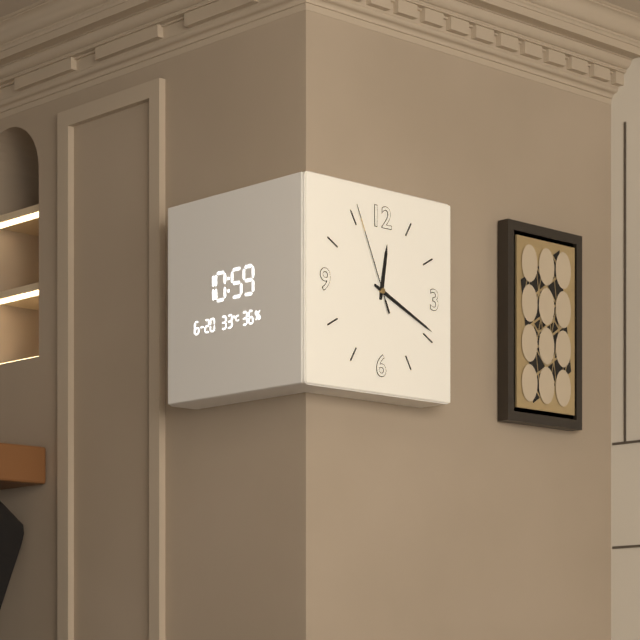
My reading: 12:19:56
